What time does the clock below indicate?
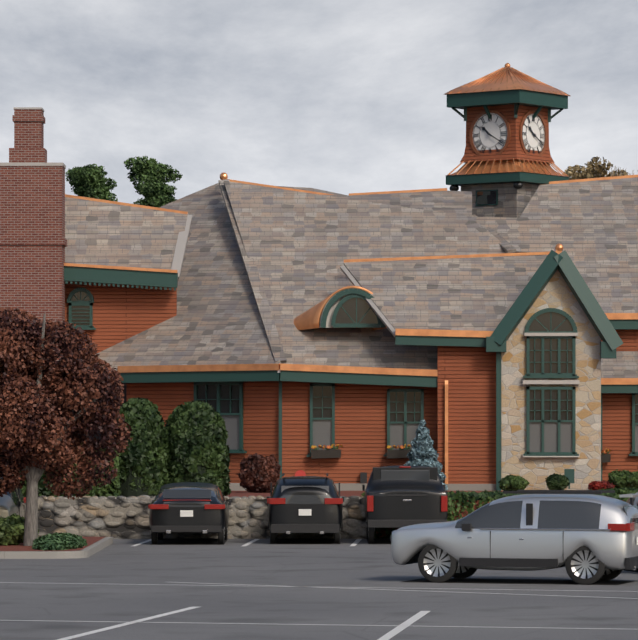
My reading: 10:20
